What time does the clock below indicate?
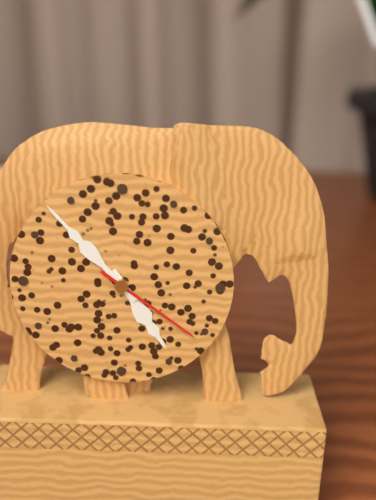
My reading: 4:53:21
